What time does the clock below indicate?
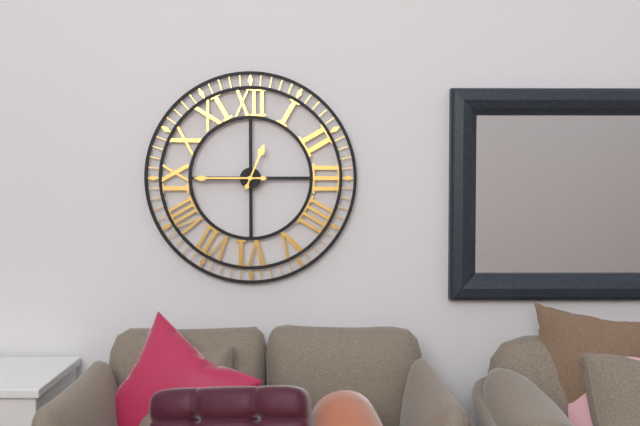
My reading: 12:45
